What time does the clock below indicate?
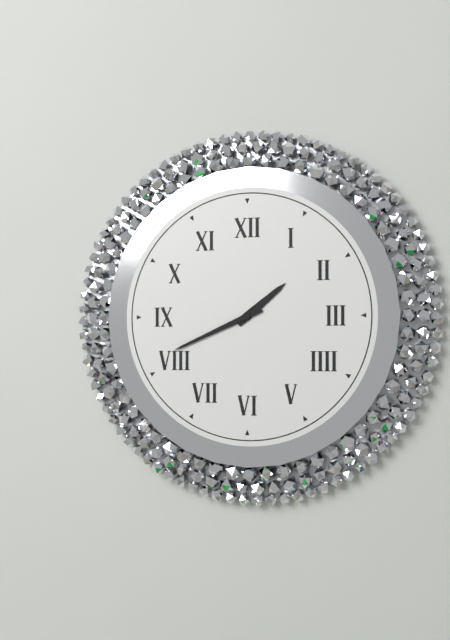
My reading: 1:41
